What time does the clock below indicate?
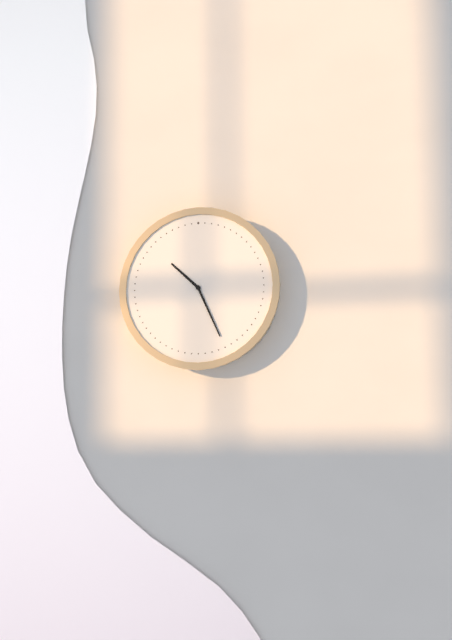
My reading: 10:26
